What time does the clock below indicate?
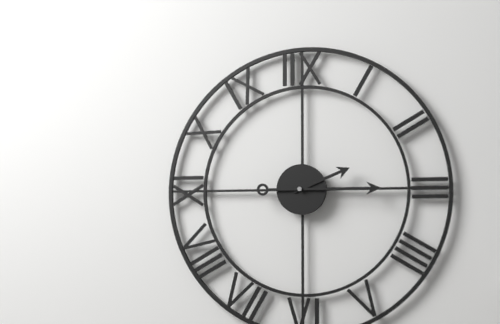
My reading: 2:15
